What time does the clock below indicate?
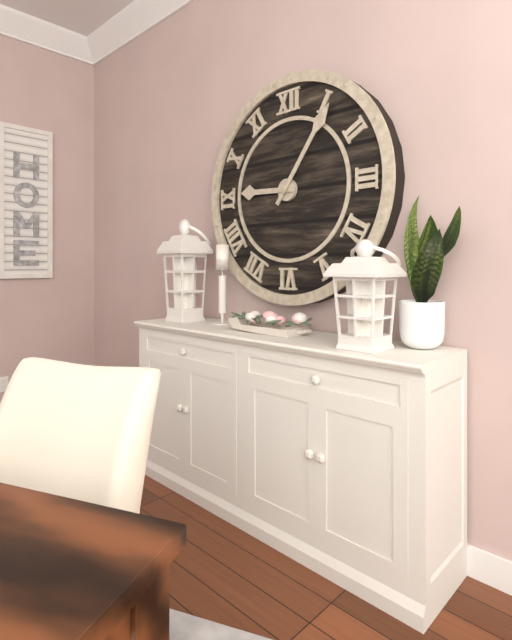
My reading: 9:06
